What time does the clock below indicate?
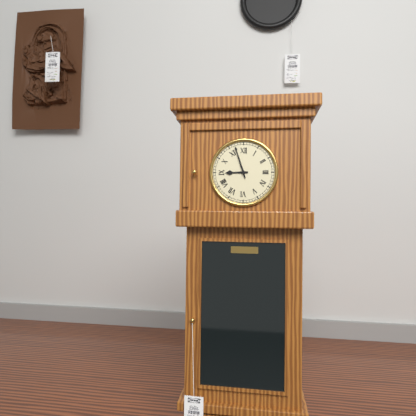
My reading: 8:57
